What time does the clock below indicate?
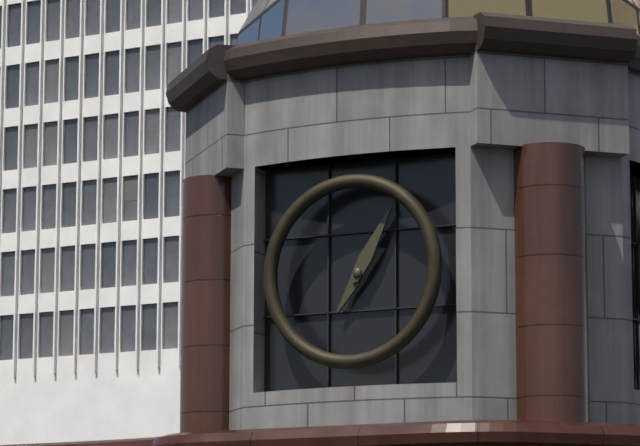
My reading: 7:05
